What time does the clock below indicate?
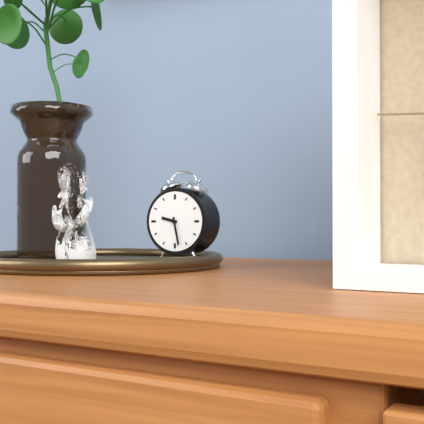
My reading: 9:28
